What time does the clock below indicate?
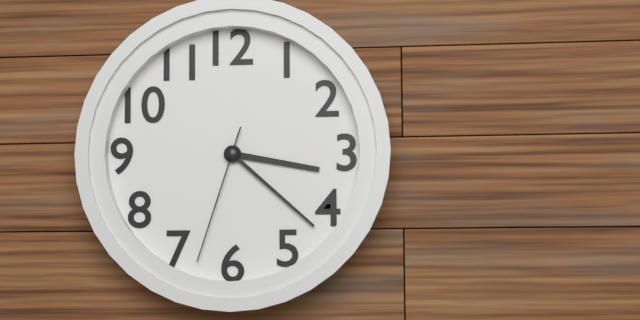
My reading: 3:22:33
